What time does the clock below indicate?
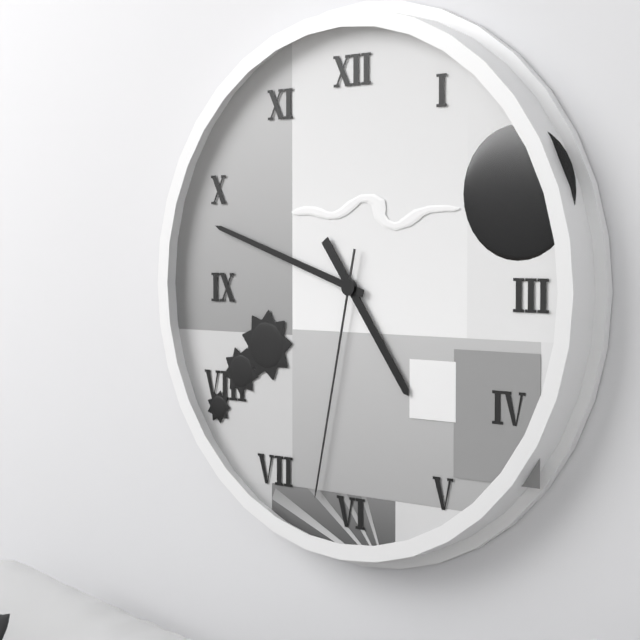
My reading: 4:48:32
